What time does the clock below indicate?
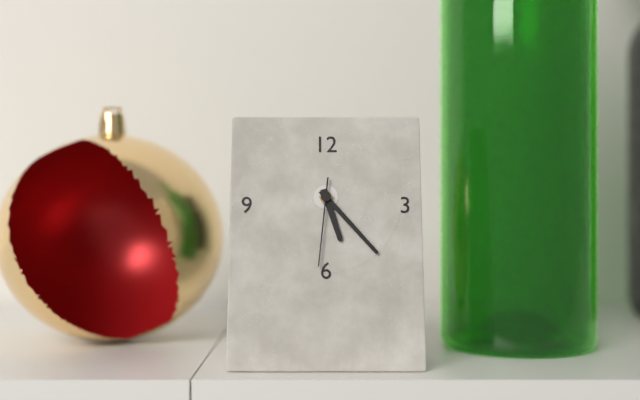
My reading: 5:23:31
